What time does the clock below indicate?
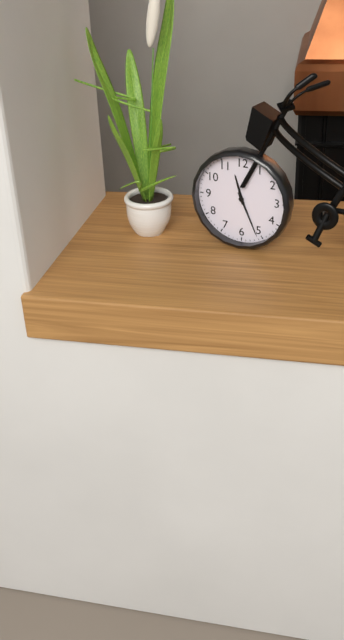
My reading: 11:26
